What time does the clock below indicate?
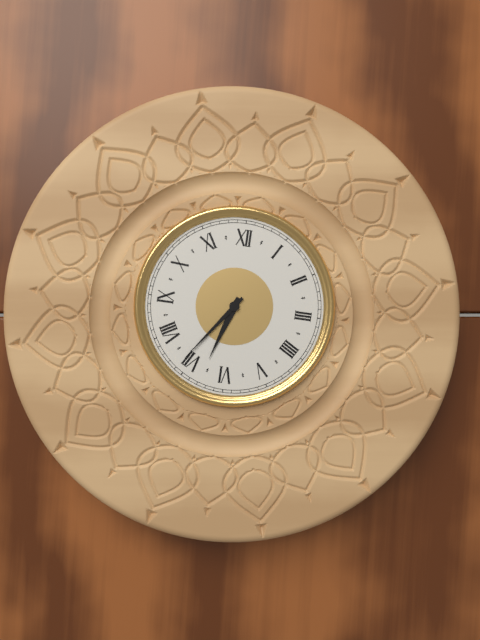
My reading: 6:36
